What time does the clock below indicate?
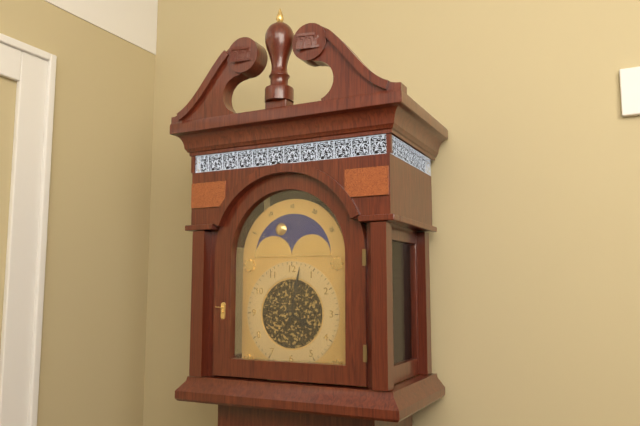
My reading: 4:02
